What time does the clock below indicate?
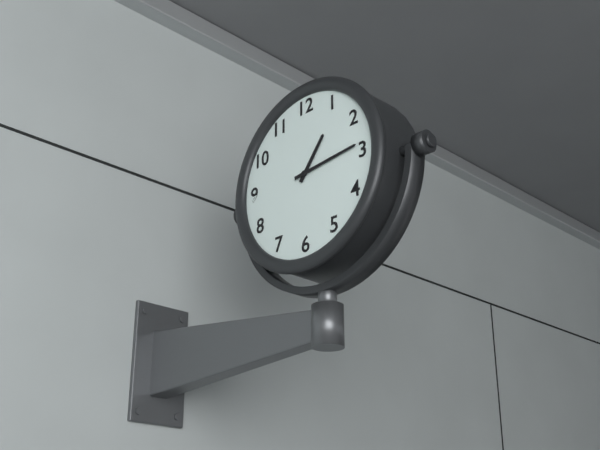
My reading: 1:14
